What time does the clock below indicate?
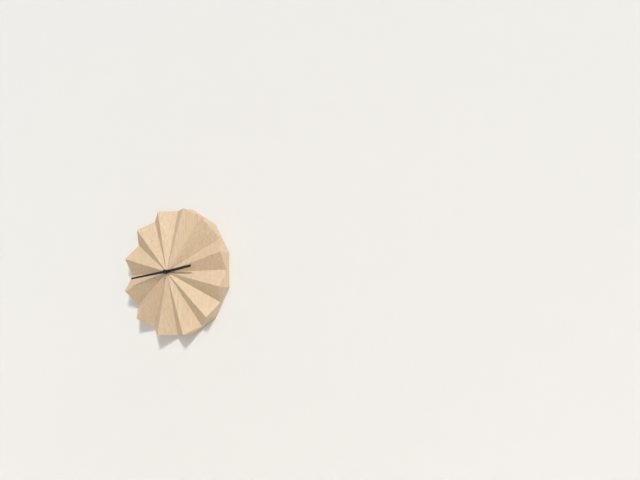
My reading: 2:44
